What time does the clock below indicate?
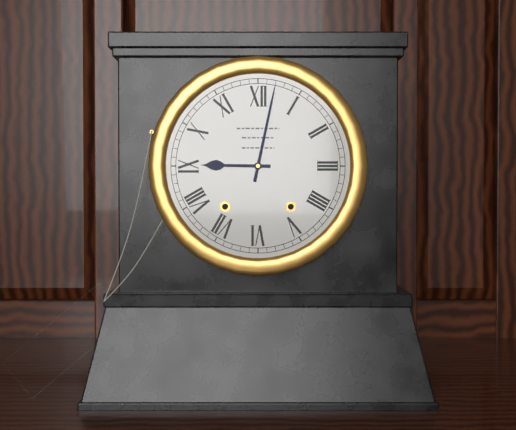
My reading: 9:02
